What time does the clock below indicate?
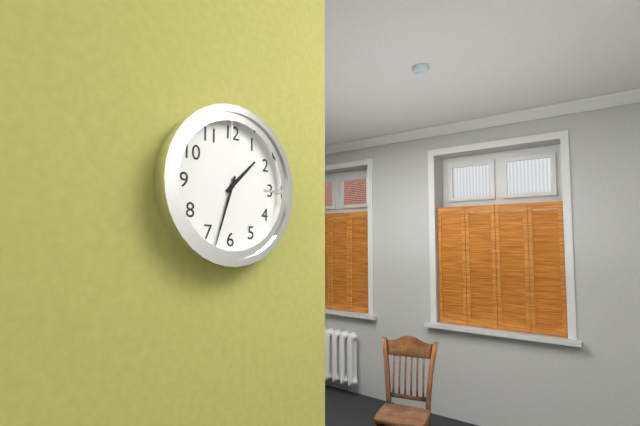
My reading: 1:33
